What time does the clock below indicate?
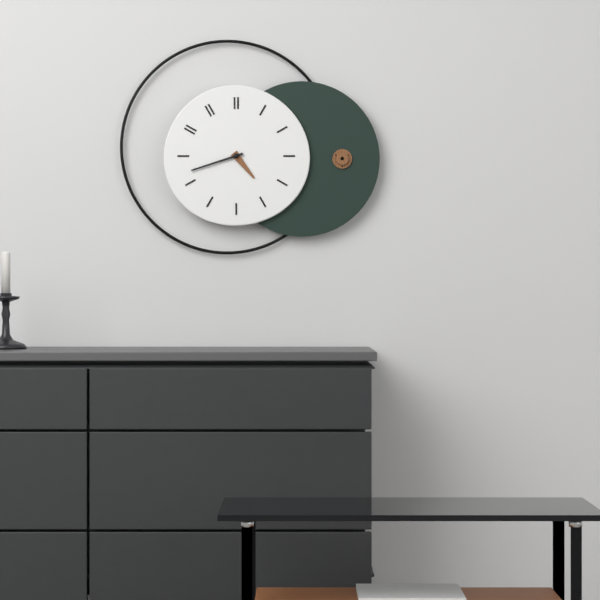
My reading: 4:42
